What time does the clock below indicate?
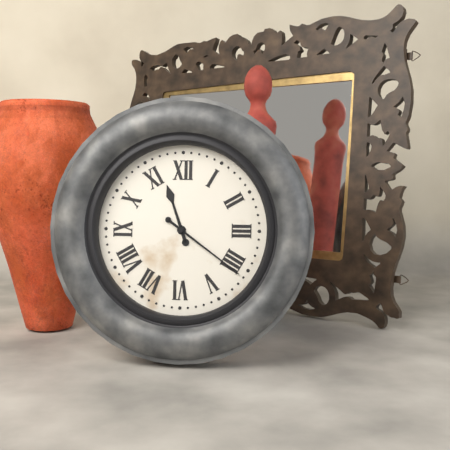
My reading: 11:21
